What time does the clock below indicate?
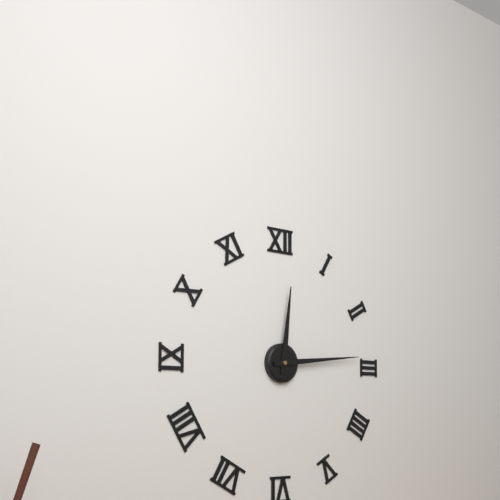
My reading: 12:14
